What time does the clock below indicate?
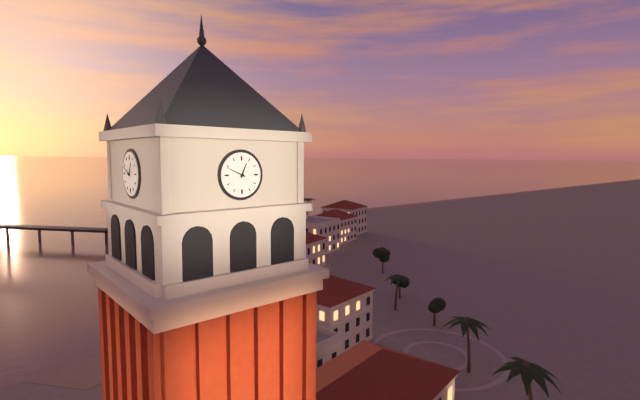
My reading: 12:49
